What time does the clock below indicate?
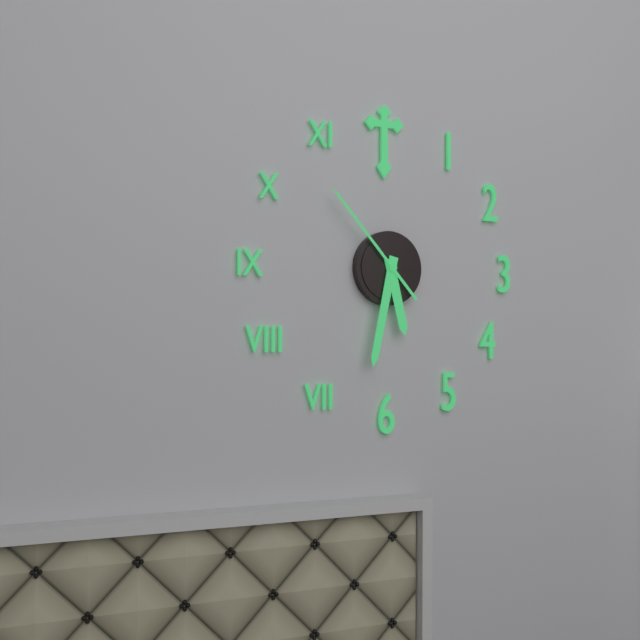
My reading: 5:32:53
